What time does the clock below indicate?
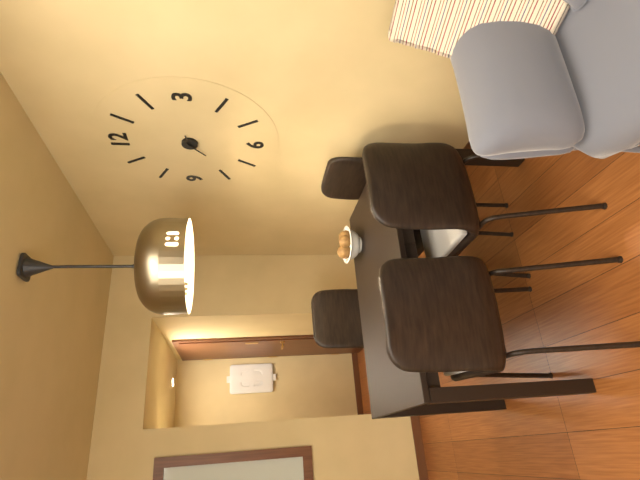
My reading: 2:38
